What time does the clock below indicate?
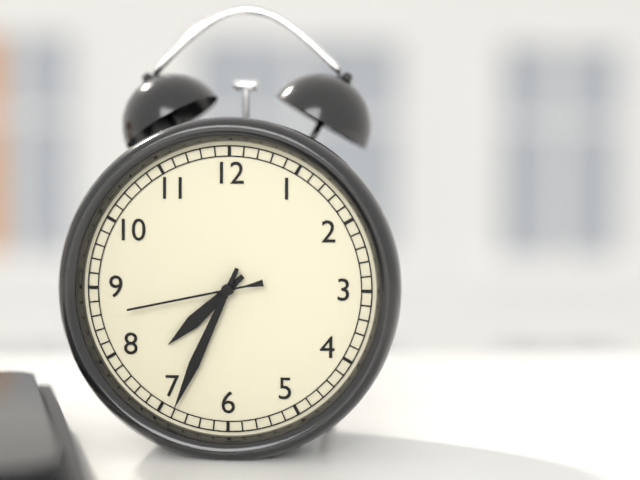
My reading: 7:34:43
